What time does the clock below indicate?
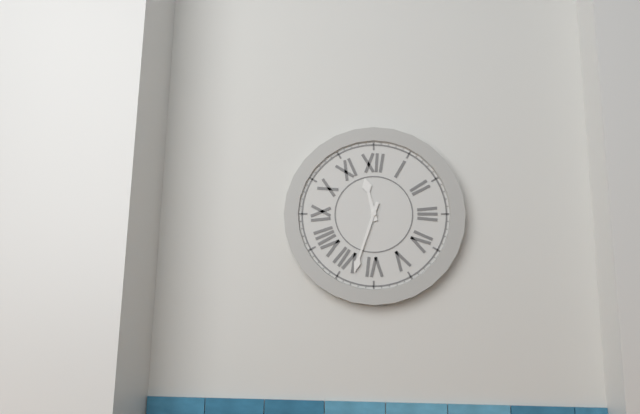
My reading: 11:33
